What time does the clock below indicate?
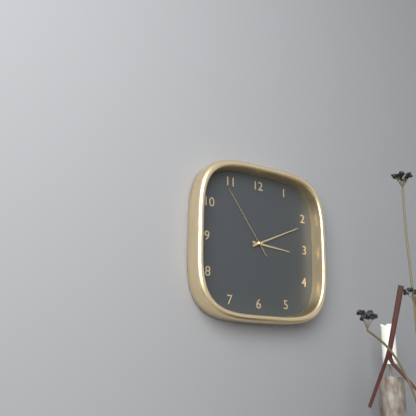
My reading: 3:11:54
